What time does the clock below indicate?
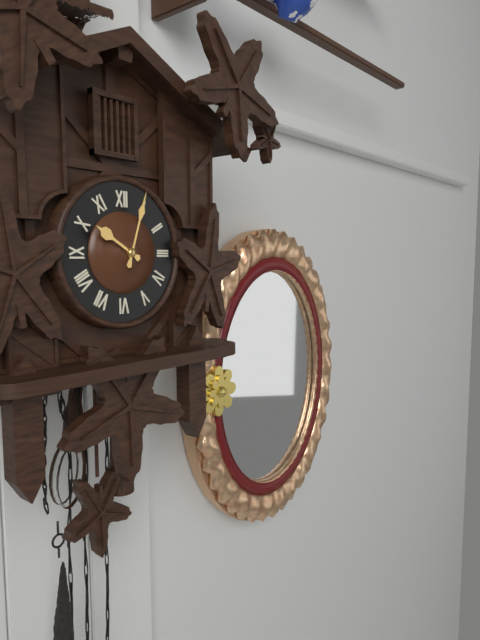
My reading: 10:03
